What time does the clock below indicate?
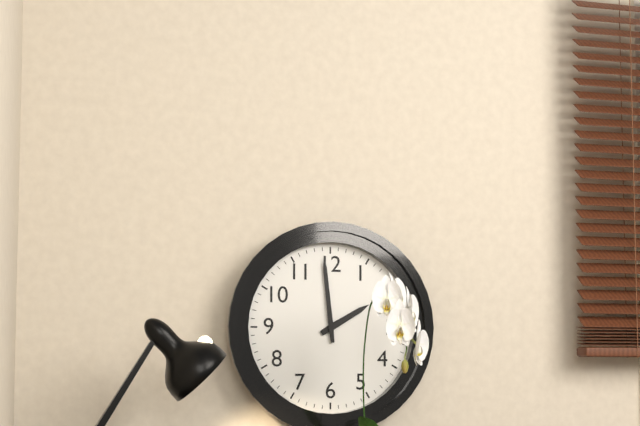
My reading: 1:59
